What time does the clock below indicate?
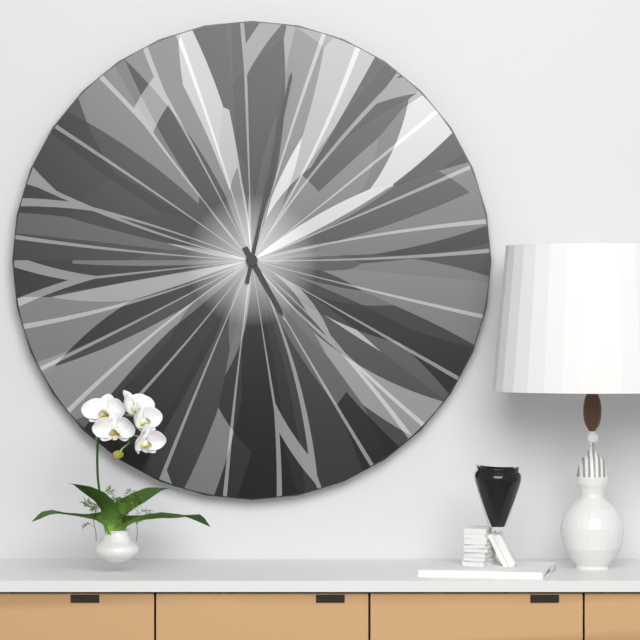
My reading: 5:02
